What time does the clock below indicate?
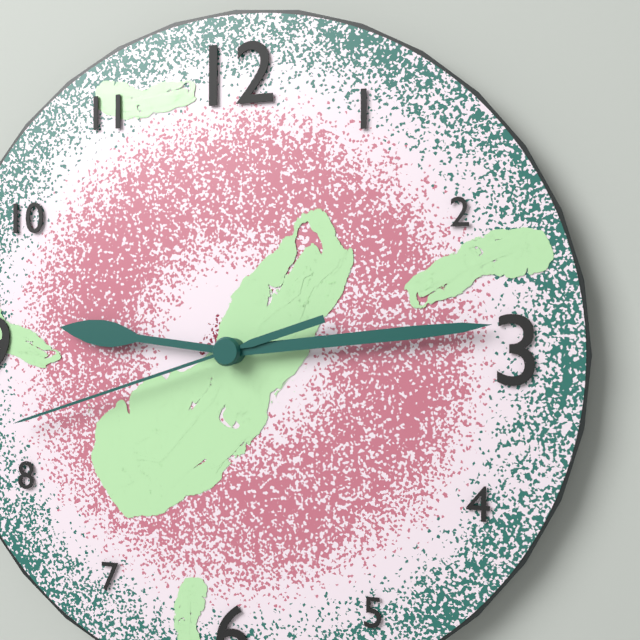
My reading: 9:14:42
